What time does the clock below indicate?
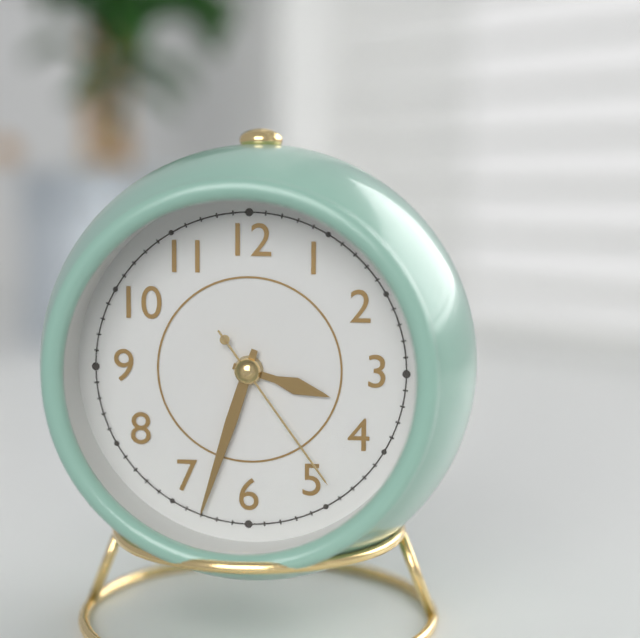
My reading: 3:33:24
